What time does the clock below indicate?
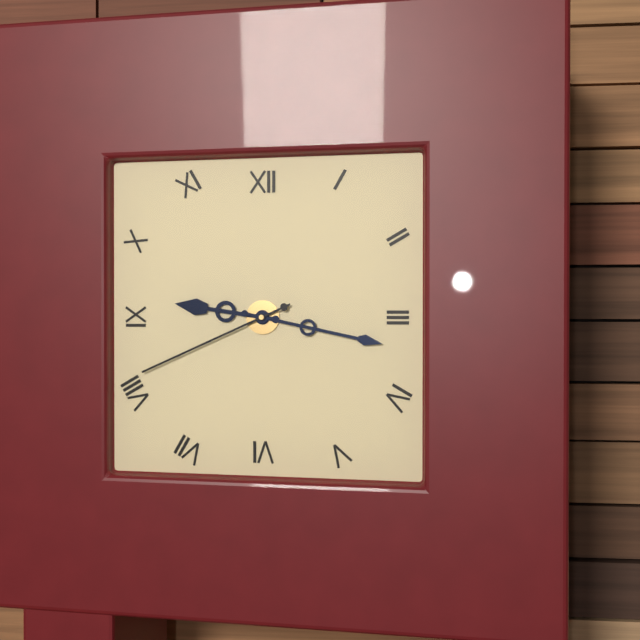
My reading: 9:17:41
